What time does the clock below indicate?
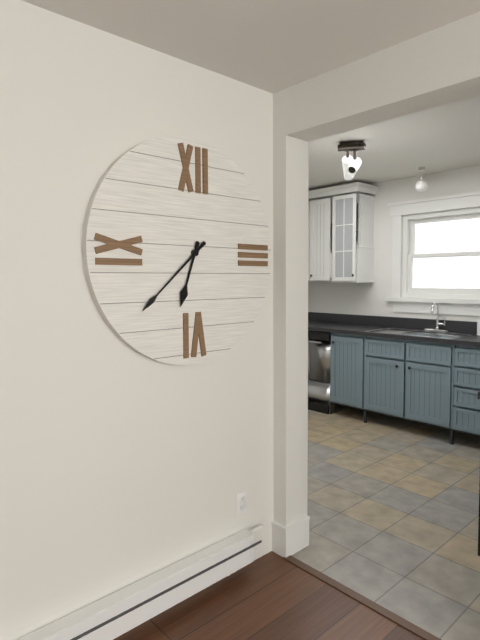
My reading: 6:38
